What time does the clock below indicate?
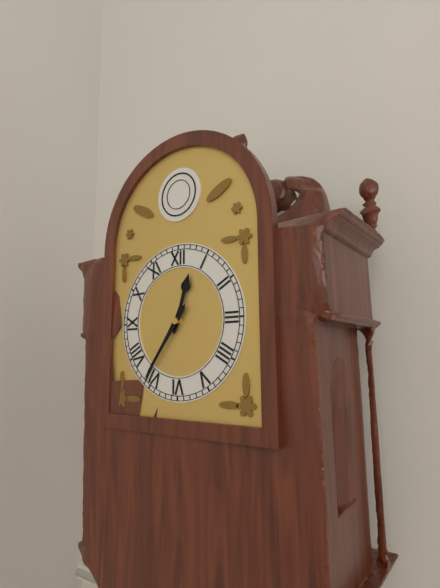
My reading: 12:36
